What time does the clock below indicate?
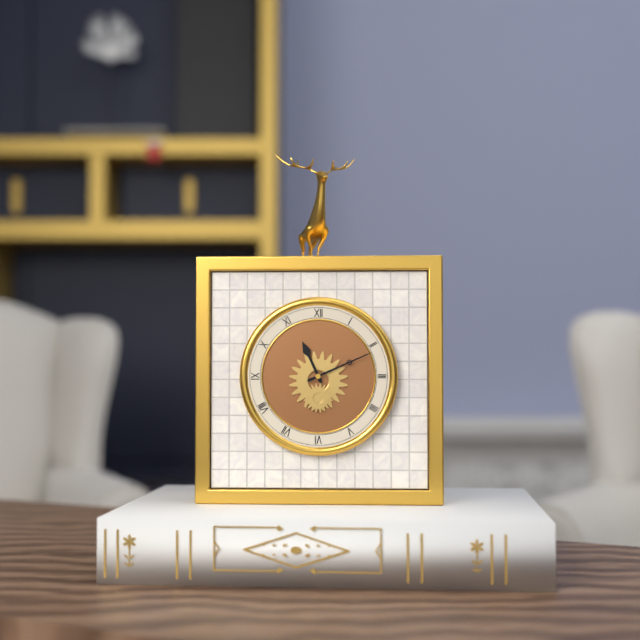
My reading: 11:11
